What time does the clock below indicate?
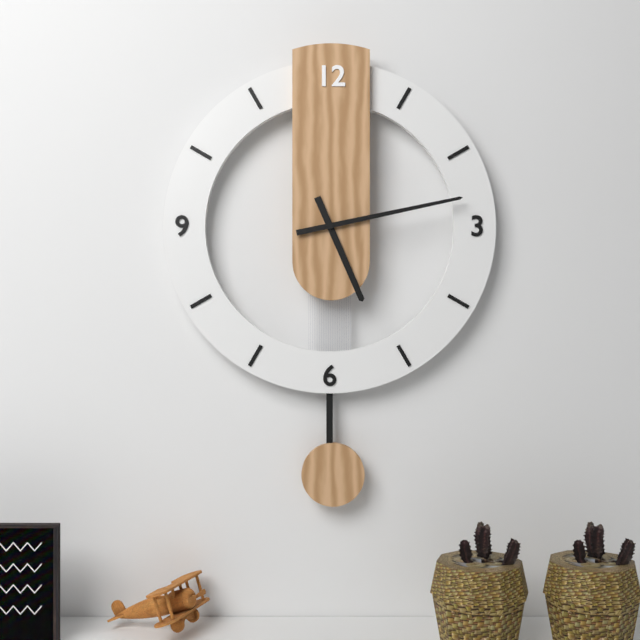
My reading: 5:13
